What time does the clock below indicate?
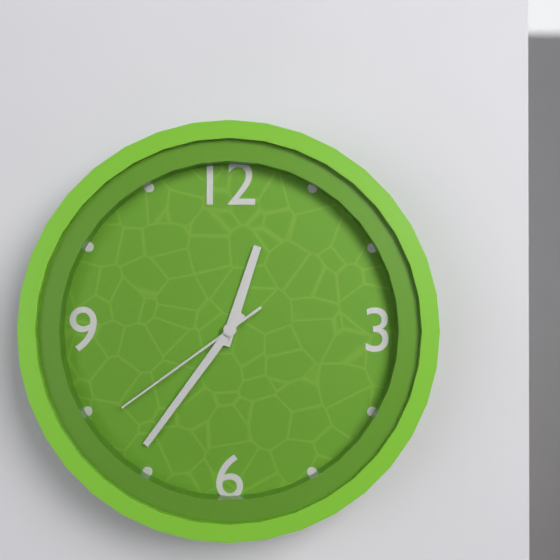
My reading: 12:36:39
